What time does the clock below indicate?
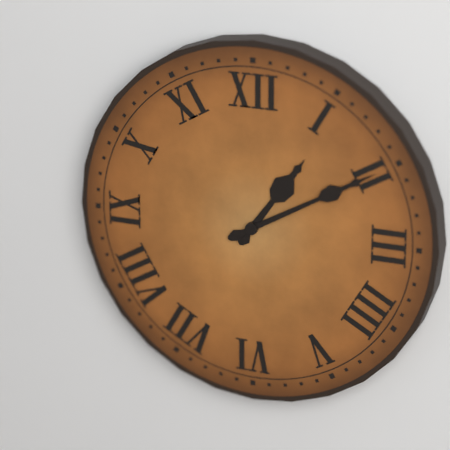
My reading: 1:10
